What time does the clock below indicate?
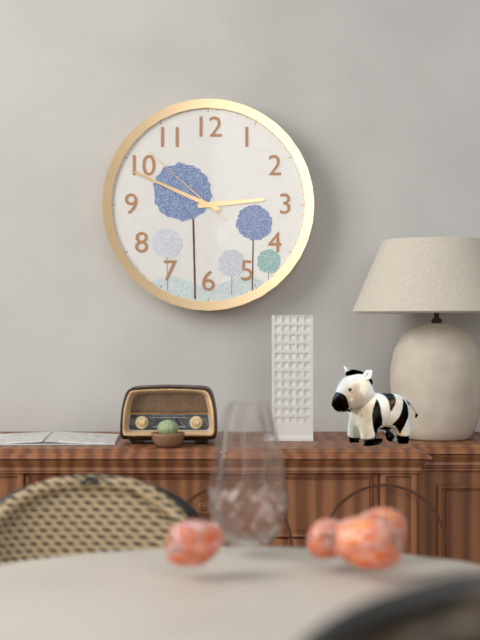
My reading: 2:49:52
